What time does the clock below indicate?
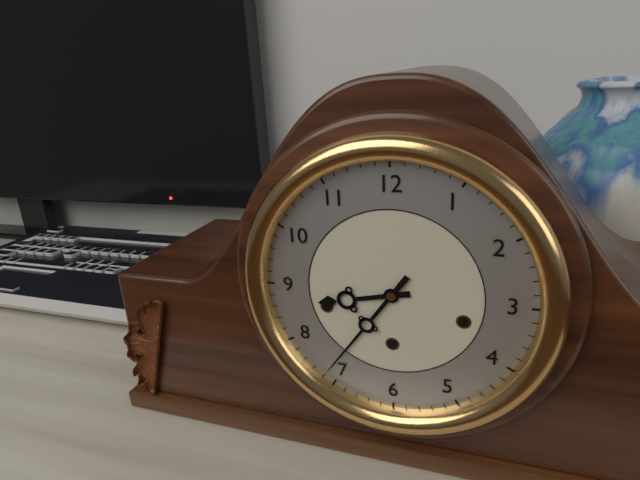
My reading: 8:36
